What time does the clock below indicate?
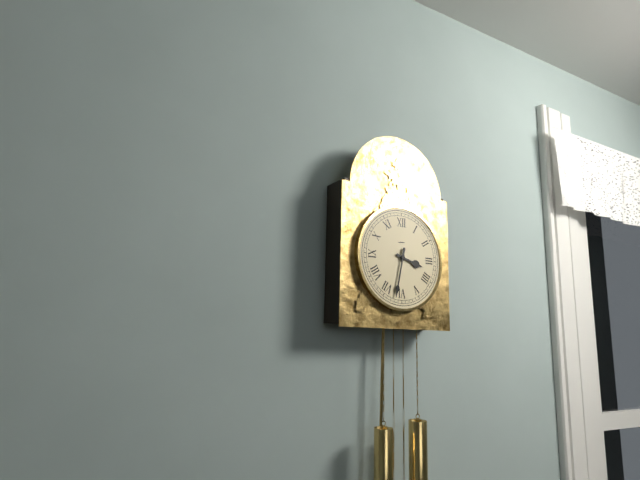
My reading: 3:32
